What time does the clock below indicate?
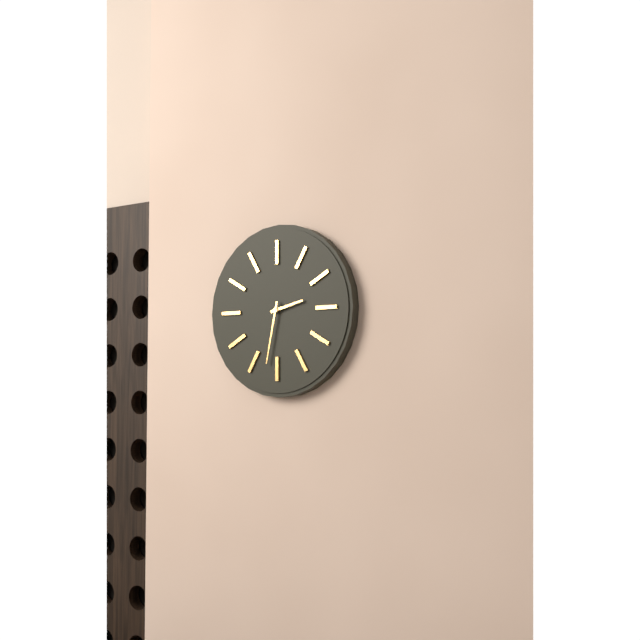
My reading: 2:32
